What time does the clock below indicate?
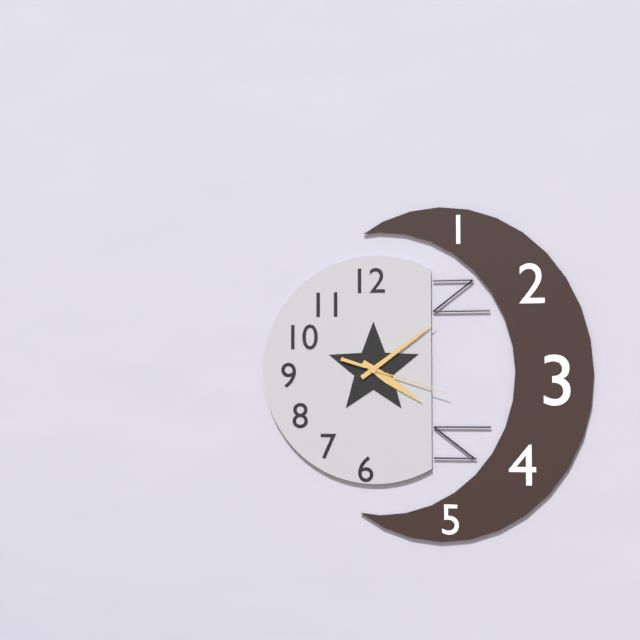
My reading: 4:09:18
